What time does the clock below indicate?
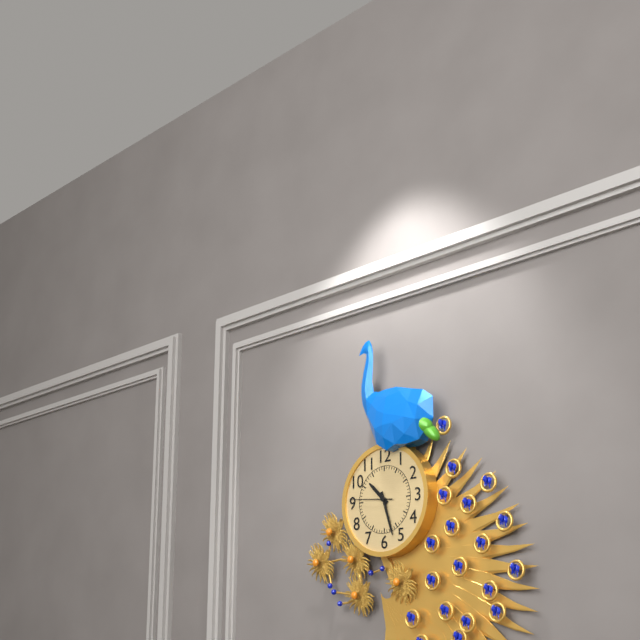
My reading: 10:27
